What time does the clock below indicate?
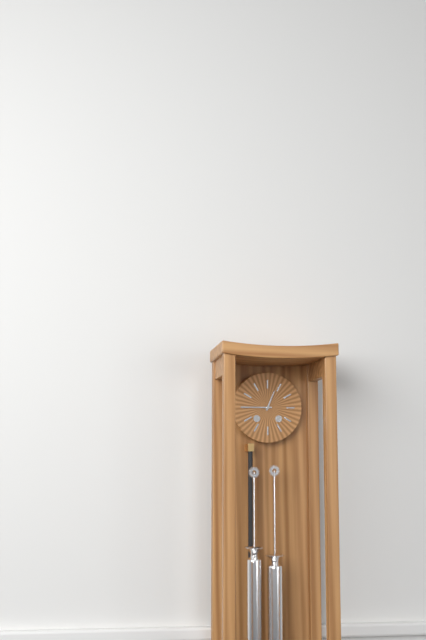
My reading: 12:45
